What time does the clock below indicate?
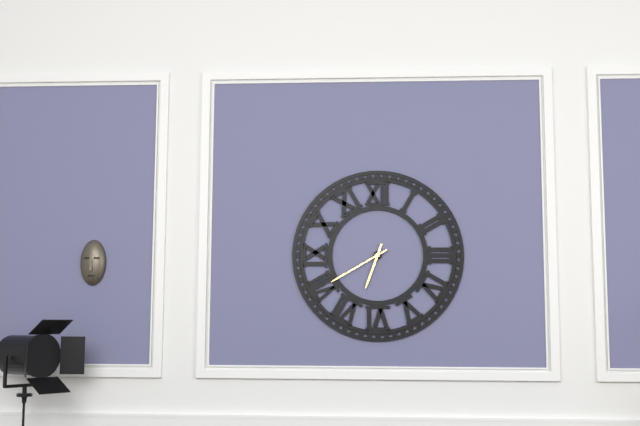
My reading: 6:40
